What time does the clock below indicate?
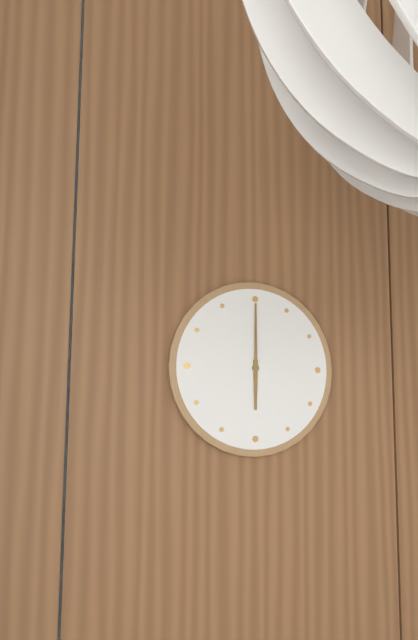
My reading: 6:00
